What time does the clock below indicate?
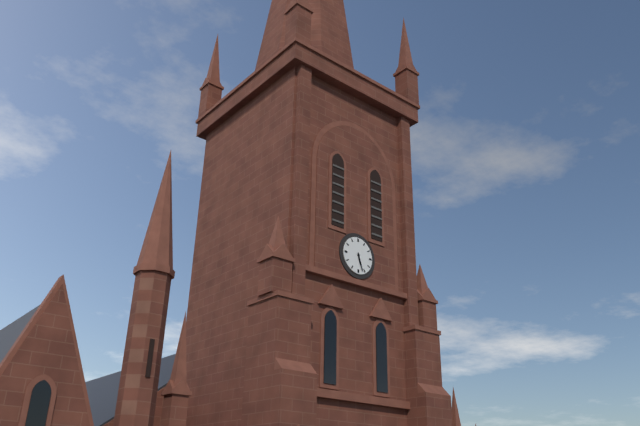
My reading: 5:27
